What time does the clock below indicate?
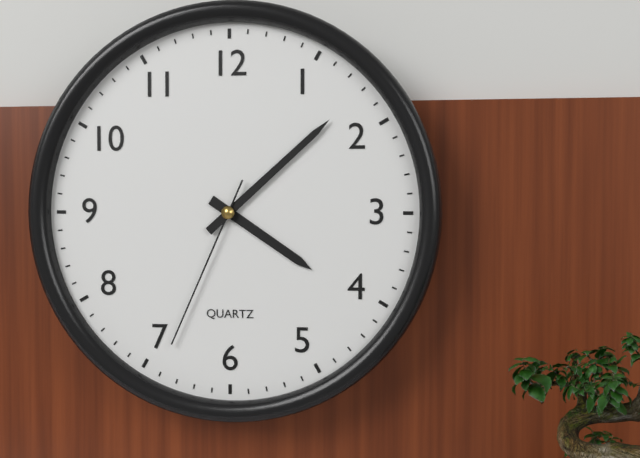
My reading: 4:08:34
